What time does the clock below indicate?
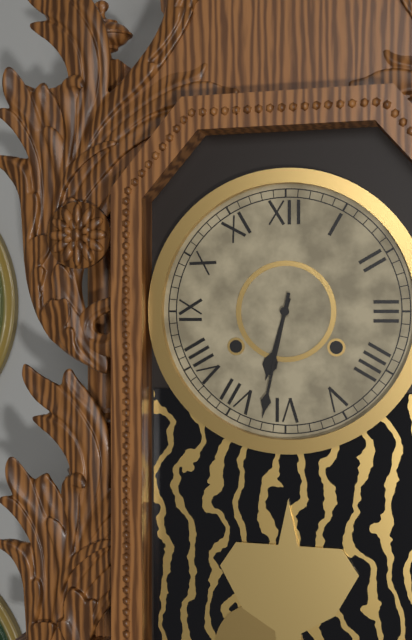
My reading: 6:32
